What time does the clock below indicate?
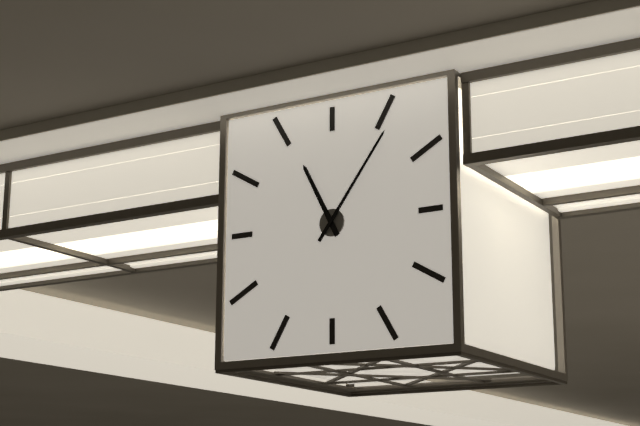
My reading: 11:06
